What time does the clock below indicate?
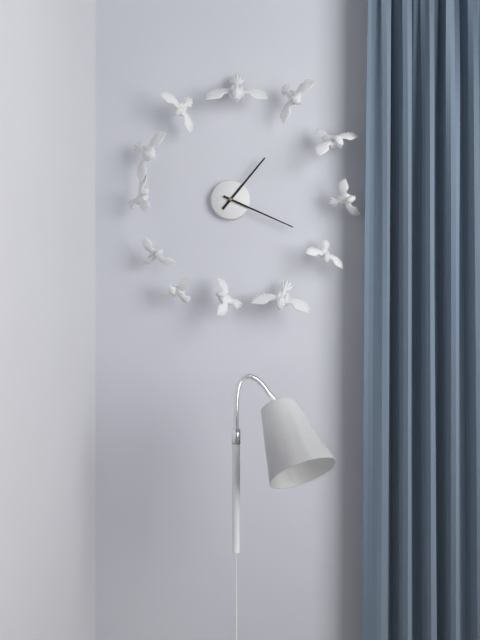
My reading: 1:19
